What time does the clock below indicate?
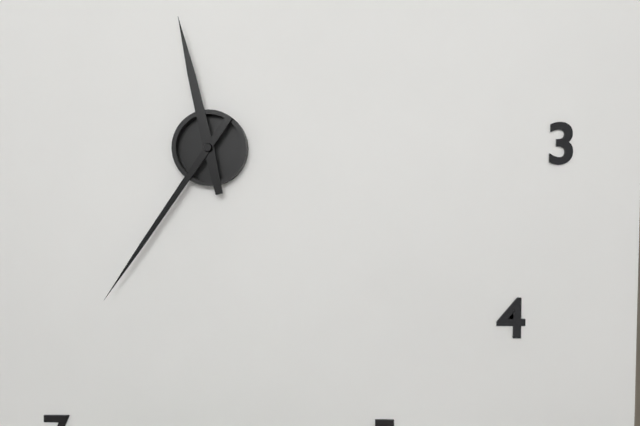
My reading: 11:36
